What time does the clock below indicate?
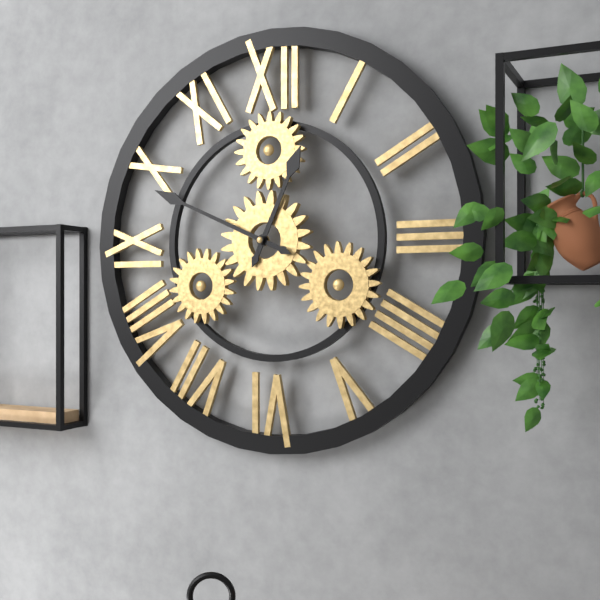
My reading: 12:49
